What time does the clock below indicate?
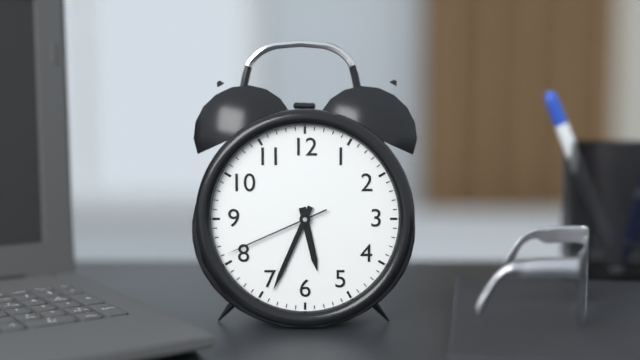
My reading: 5:34:41
